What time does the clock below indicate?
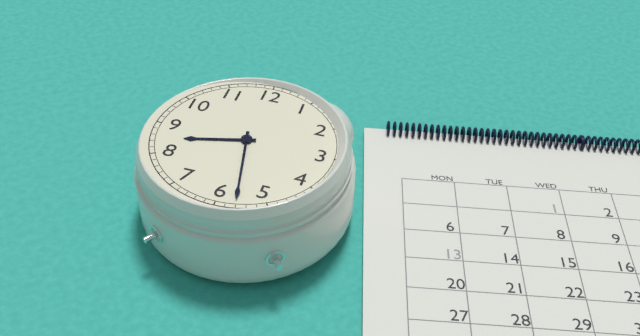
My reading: 8:28
